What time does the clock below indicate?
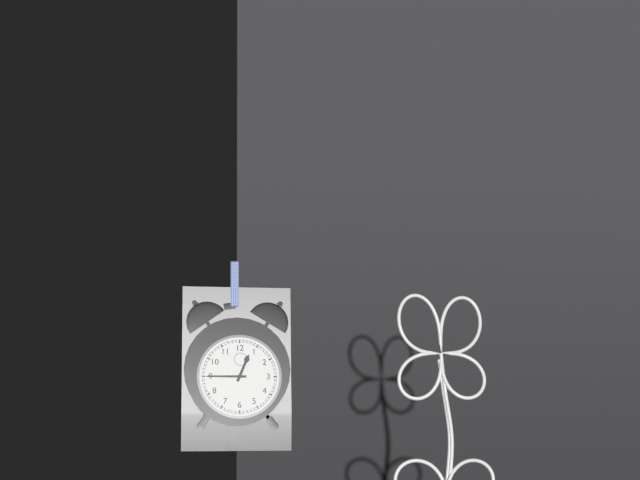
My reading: 12:45
